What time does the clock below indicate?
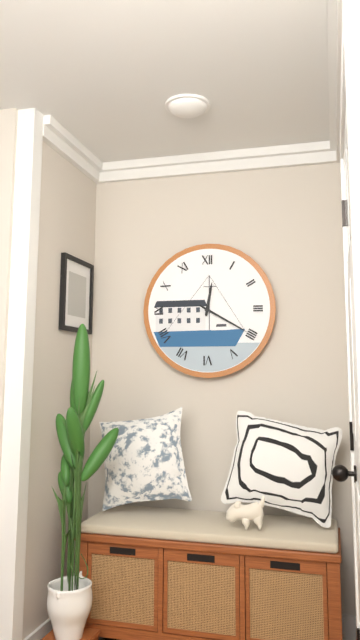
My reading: 12:20
